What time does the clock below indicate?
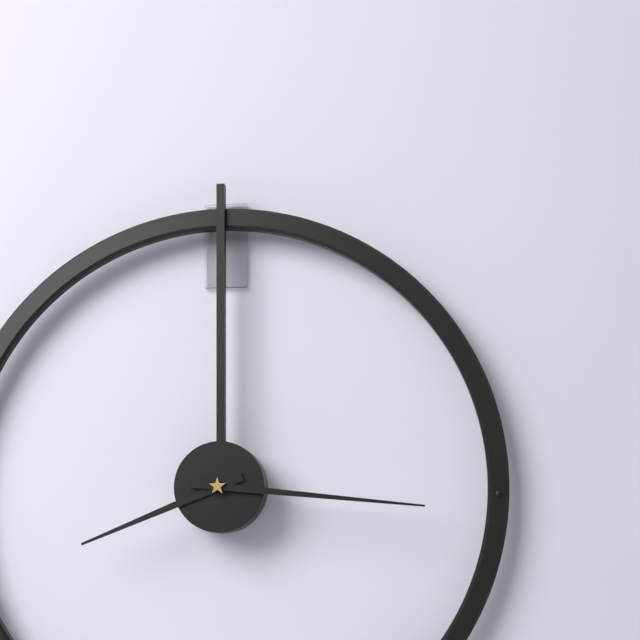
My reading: 8:16
